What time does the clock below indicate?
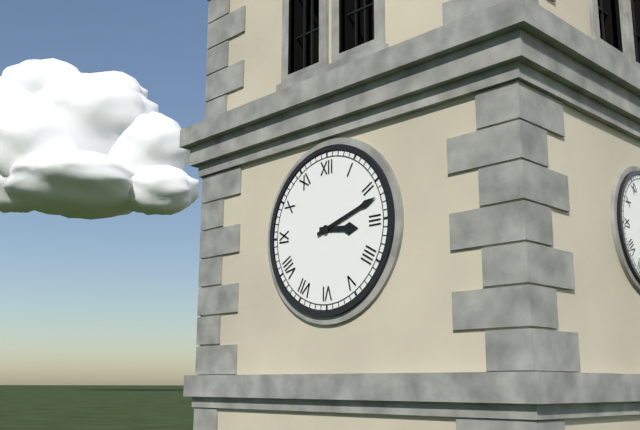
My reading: 3:12
